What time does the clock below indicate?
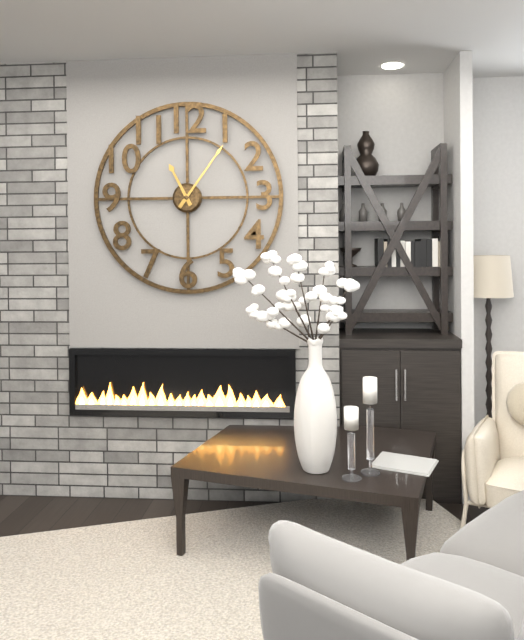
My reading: 11:06
